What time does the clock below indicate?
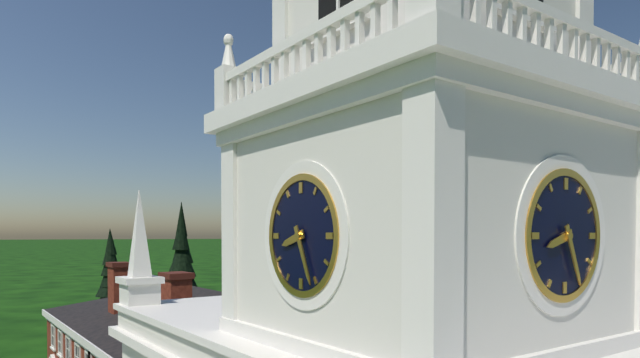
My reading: 8:26
